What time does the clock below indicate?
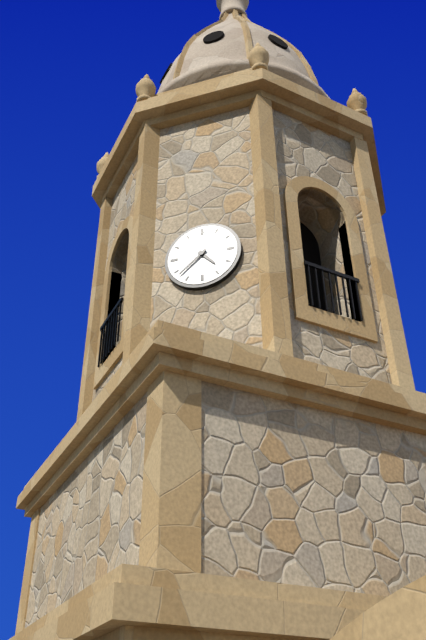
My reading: 4:38
